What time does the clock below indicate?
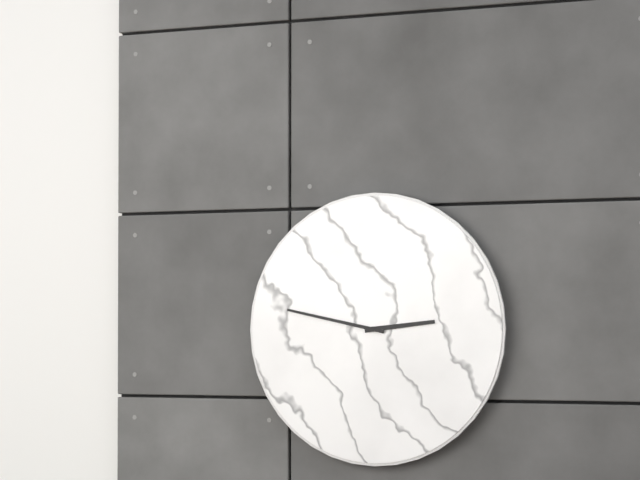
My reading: 2:47
